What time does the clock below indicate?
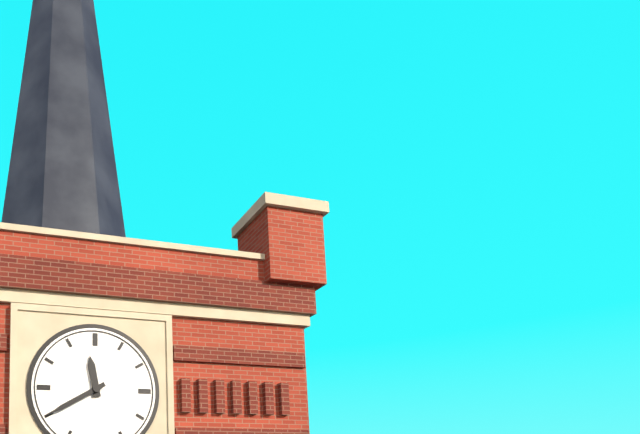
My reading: 11:40
